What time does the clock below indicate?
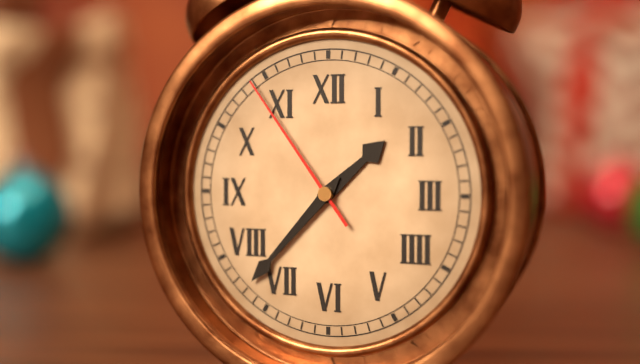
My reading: 1:37:54
